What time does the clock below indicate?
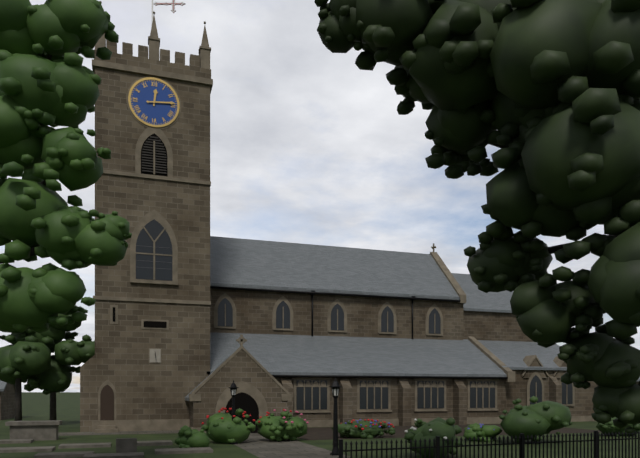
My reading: 12:14
